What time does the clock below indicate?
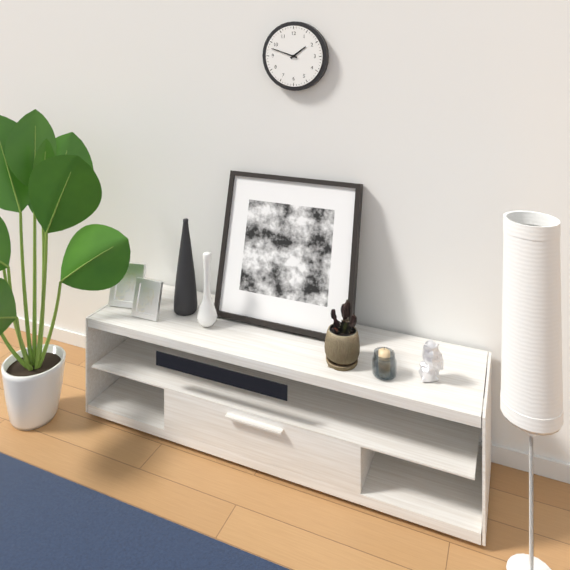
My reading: 1:48
